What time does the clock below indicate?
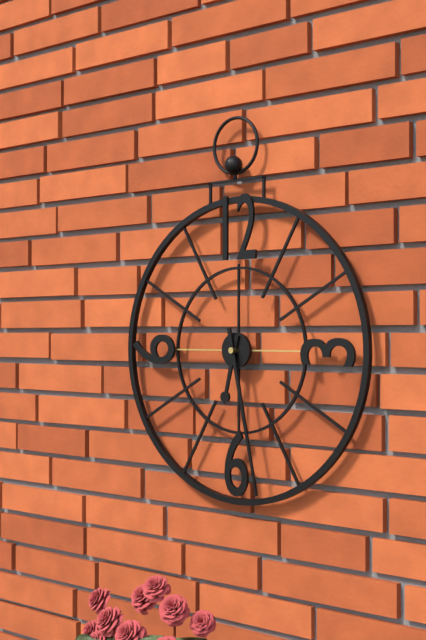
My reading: 6:28
